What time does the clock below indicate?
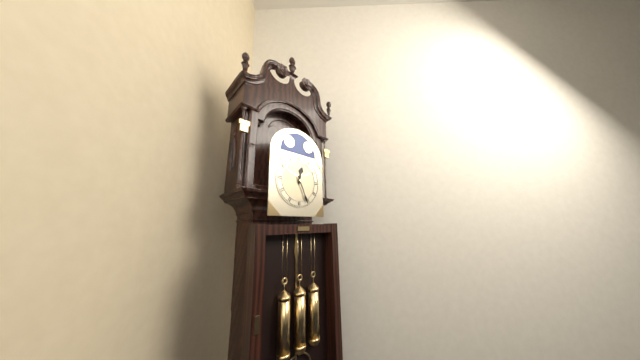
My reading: 12:26
